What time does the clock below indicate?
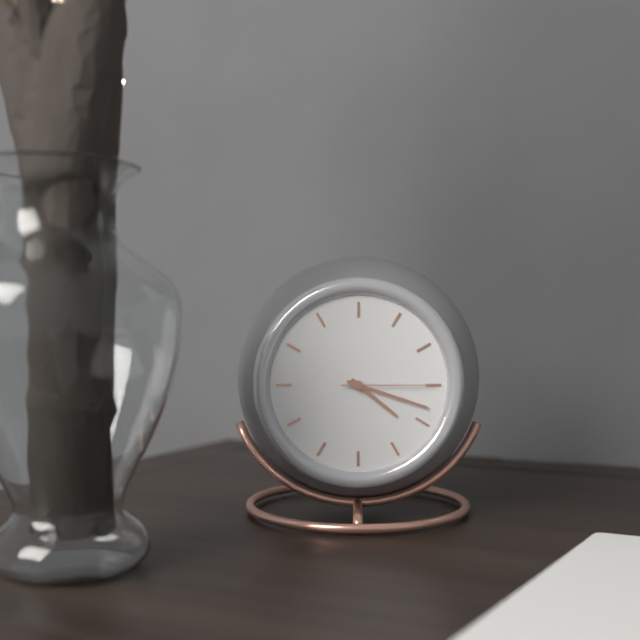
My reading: 4:18:15
